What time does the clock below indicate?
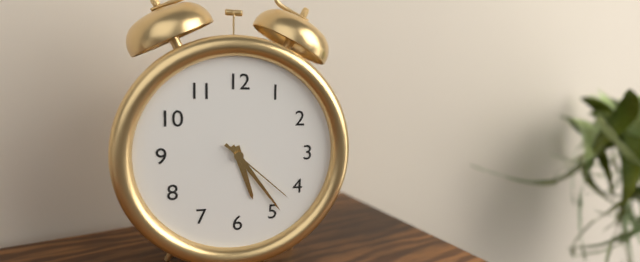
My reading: 5:24:22
